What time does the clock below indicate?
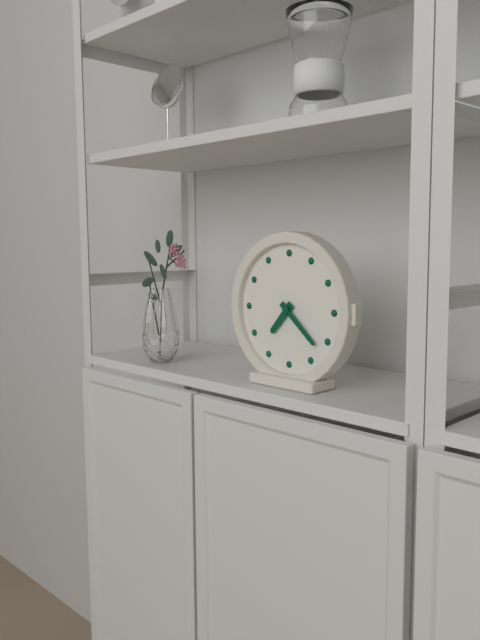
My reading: 7:22
